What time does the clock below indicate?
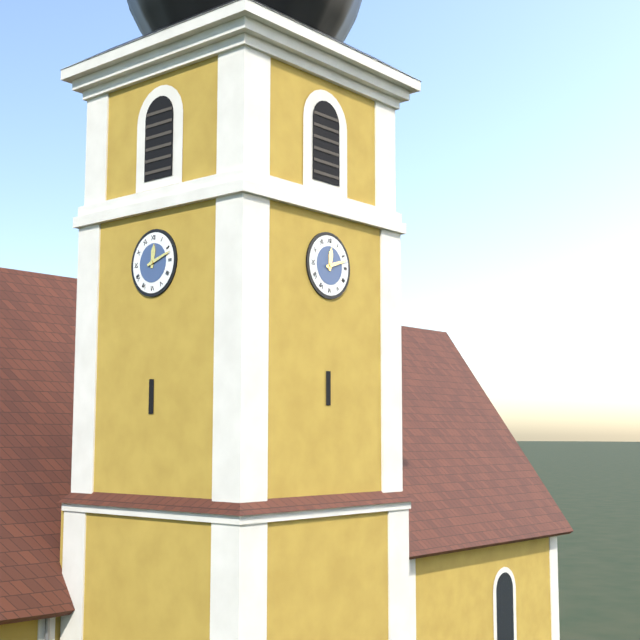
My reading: 12:12
